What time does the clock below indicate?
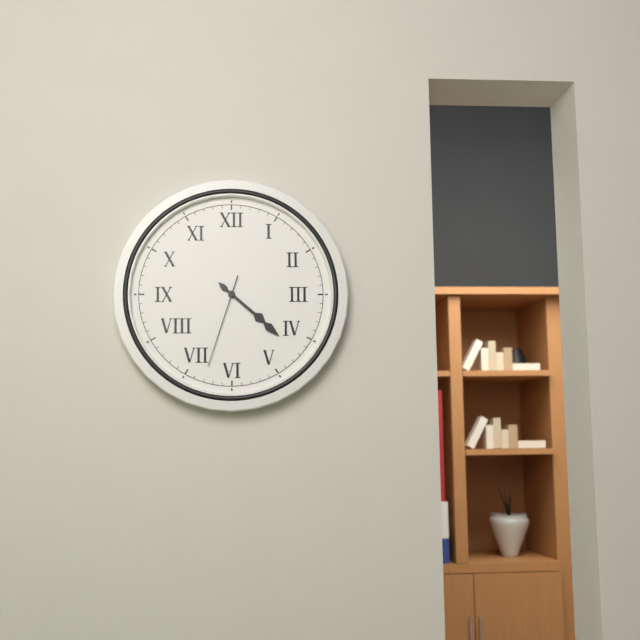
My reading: 4:22:33
